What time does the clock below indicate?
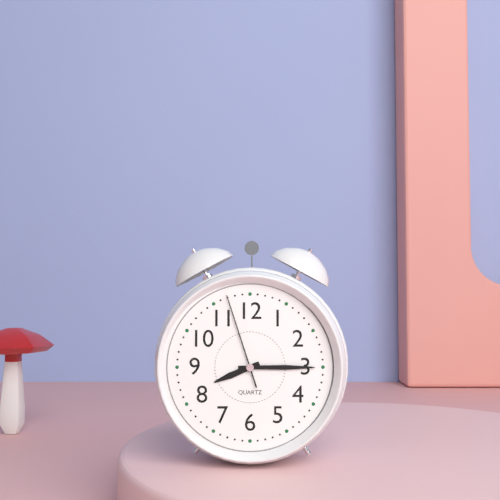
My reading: 8:15:57
